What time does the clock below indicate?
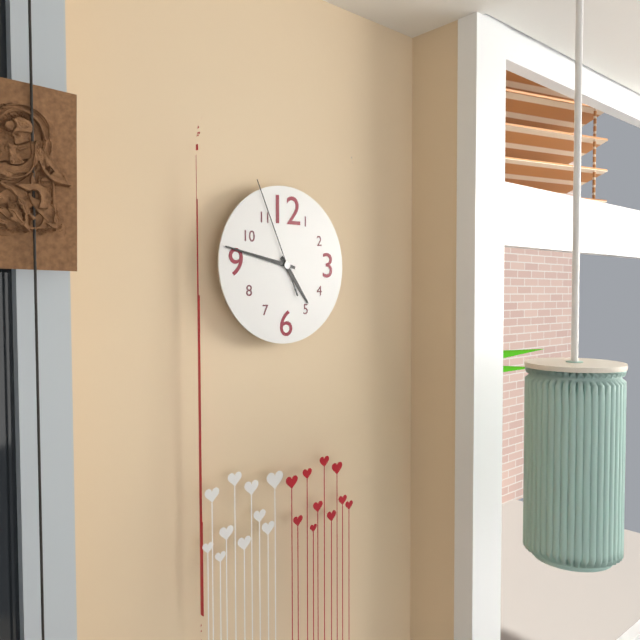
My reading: 4:47:56
